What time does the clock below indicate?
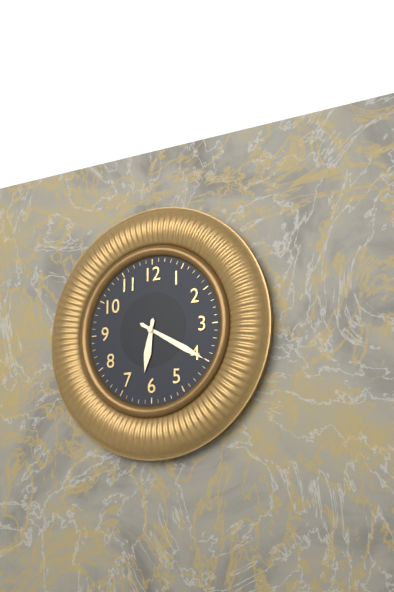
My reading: 6:20
